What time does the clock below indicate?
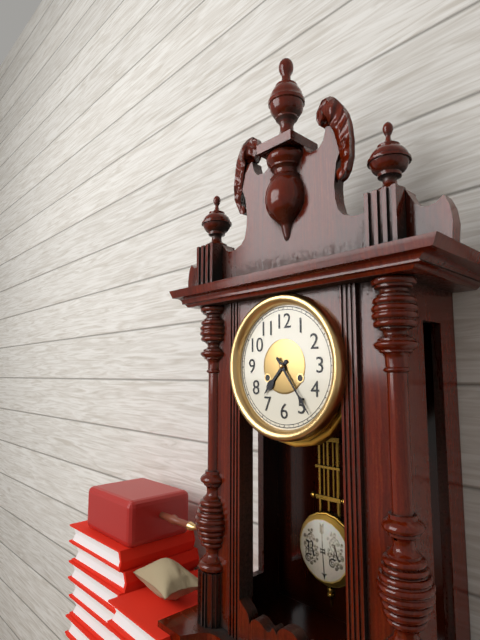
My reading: 7:24
